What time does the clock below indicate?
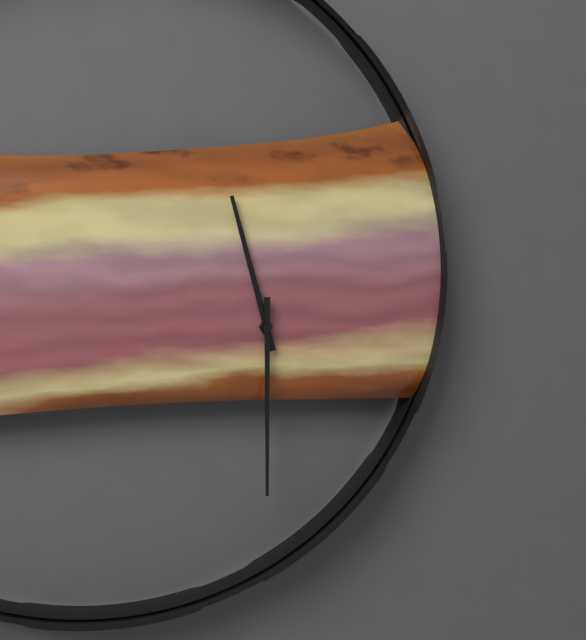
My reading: 11:30
